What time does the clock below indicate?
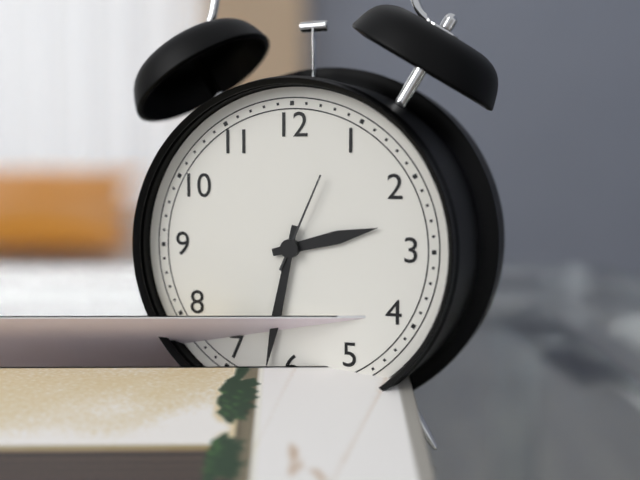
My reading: 2:32:04
